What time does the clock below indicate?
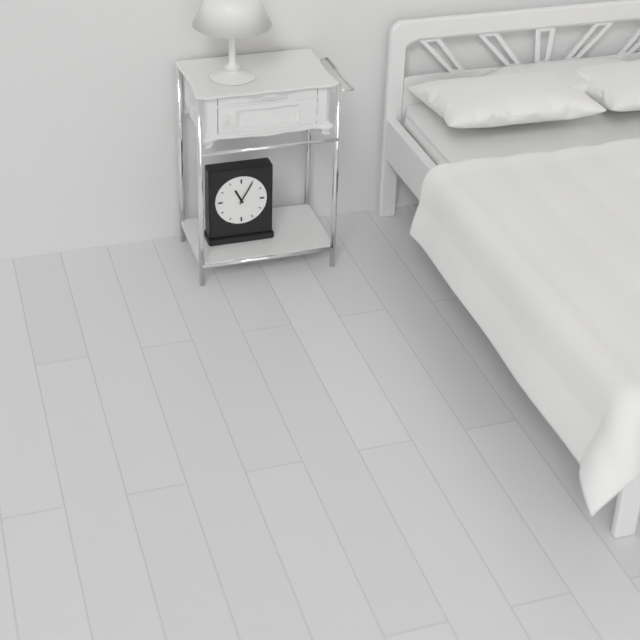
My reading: 11:05
